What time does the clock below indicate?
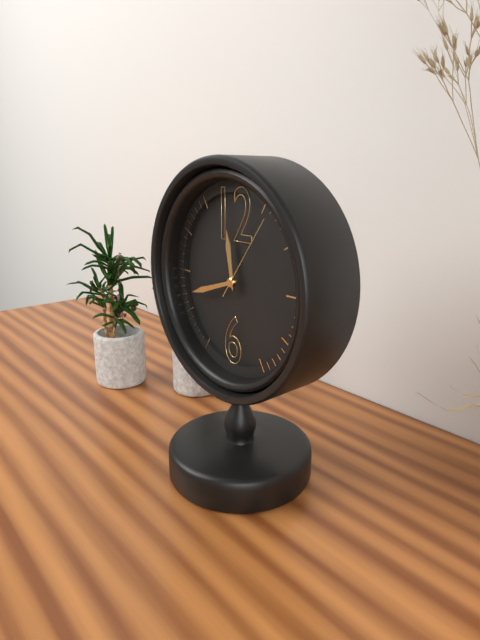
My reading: 11:42:06
